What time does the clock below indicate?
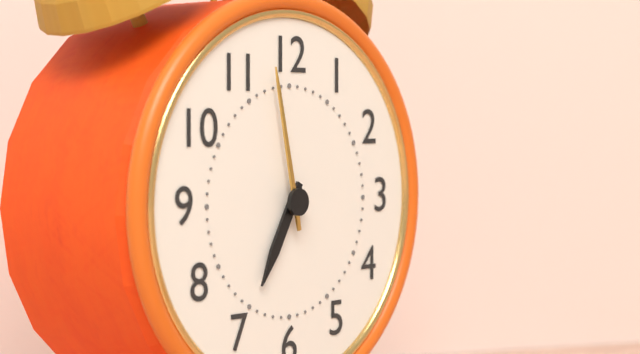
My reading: 6:58
